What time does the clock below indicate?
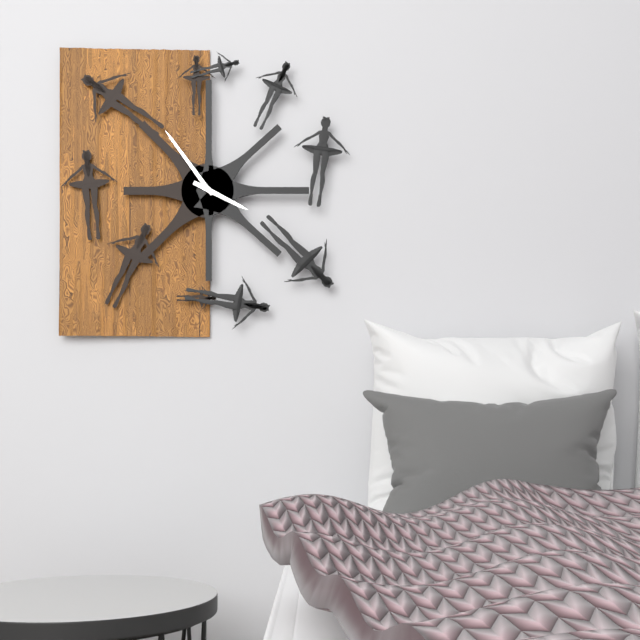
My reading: 3:54
